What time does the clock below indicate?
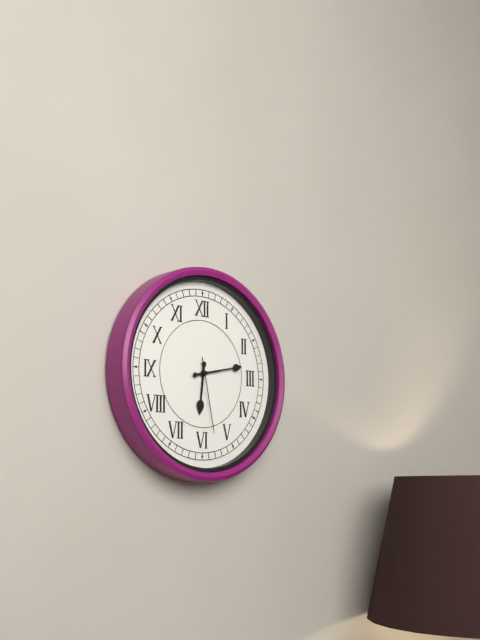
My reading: 6:13:28
